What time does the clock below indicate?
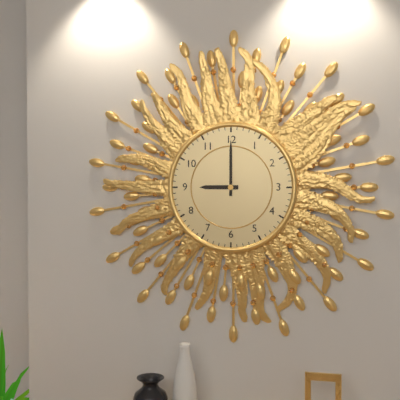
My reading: 9:00
